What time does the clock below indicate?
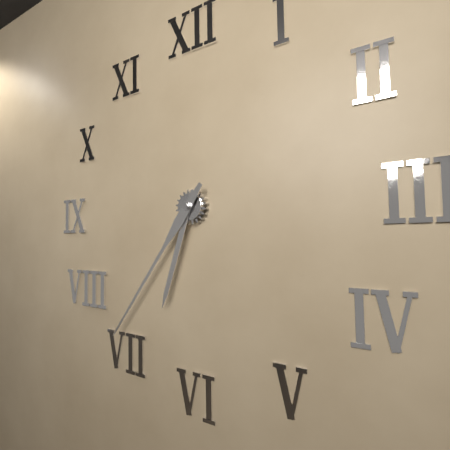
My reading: 6:36
